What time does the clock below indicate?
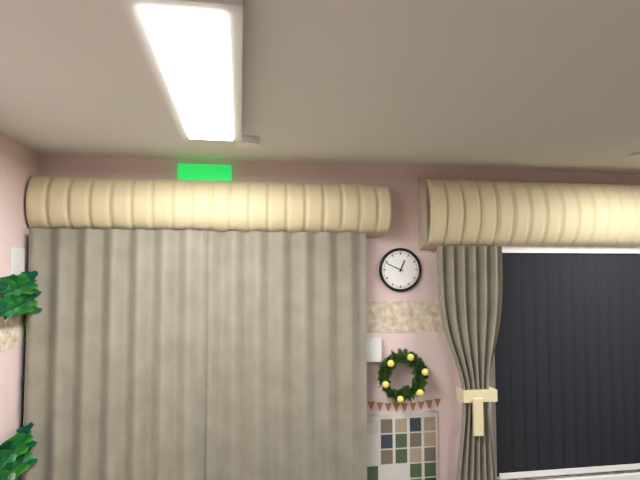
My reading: 12:49
